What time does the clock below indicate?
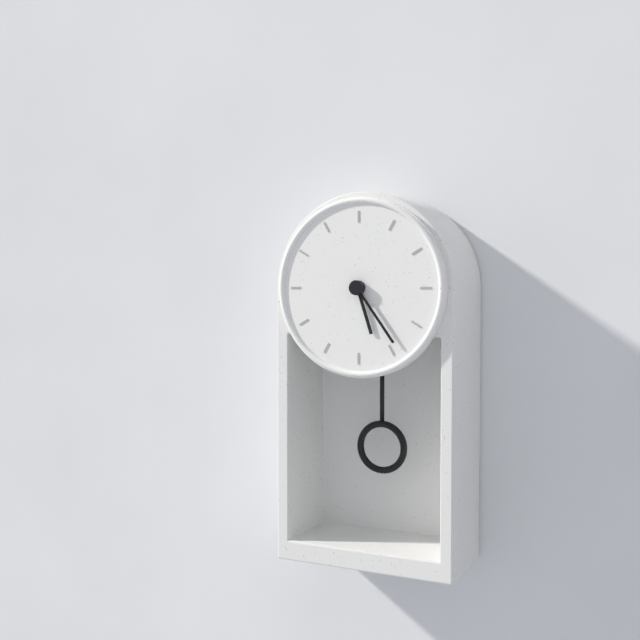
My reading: 5:24
